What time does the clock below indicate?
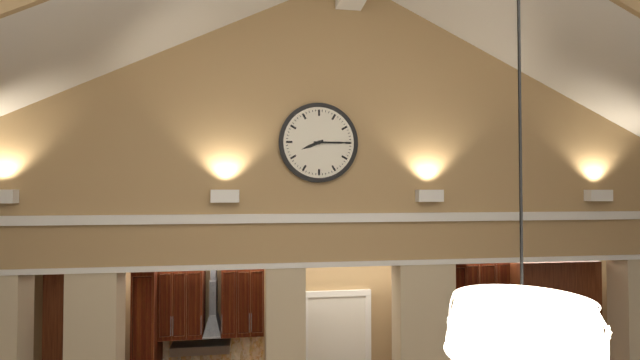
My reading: 8:15
